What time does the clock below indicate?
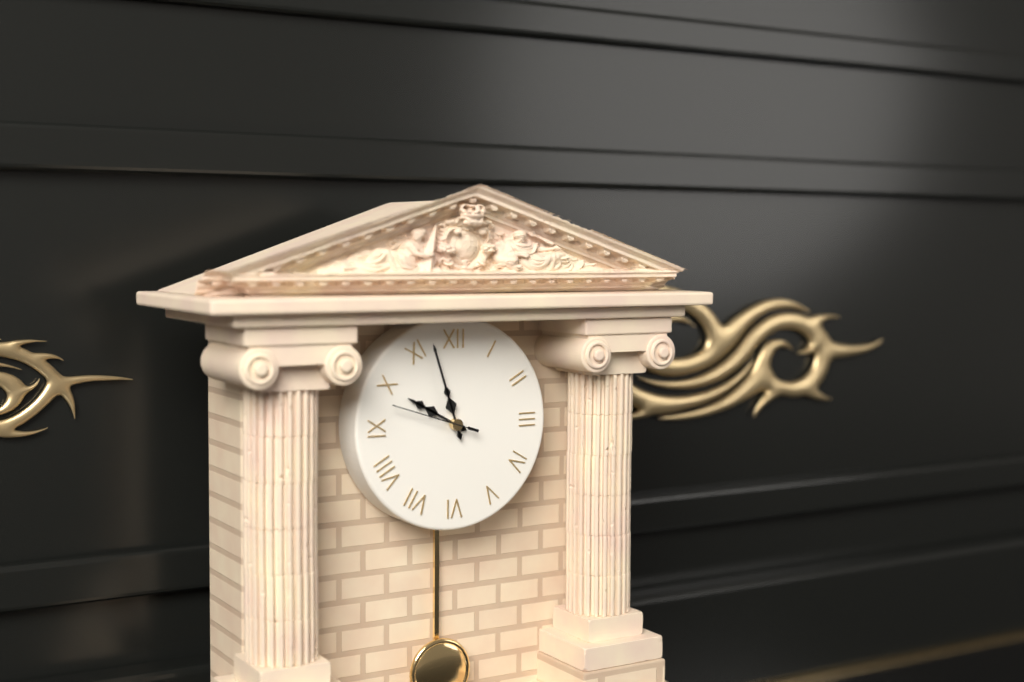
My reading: 9:57
